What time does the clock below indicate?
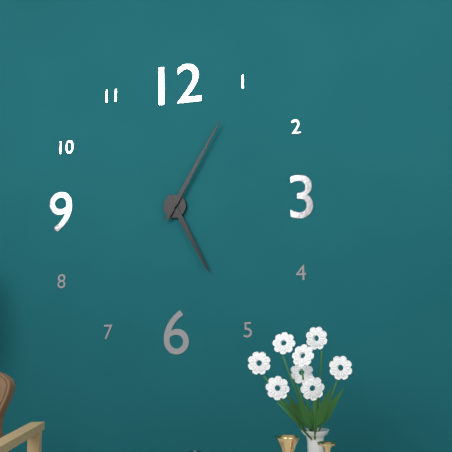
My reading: 5:05
